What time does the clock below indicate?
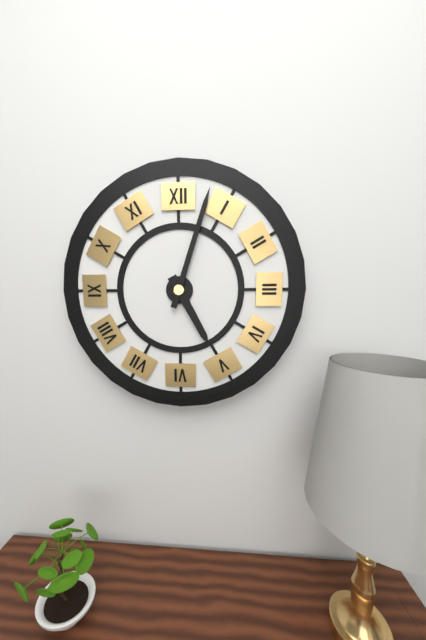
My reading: 5:03
